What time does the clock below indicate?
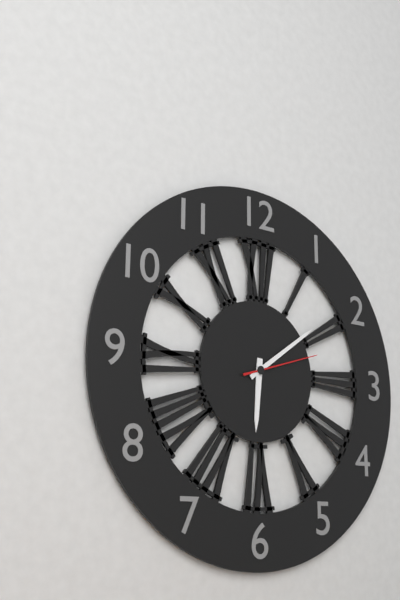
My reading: 6:09:12
